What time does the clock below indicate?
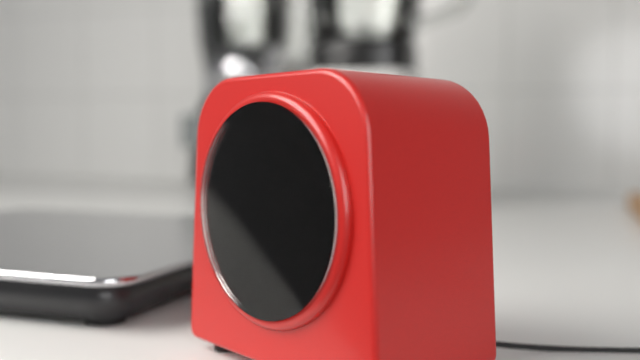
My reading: 7:04
